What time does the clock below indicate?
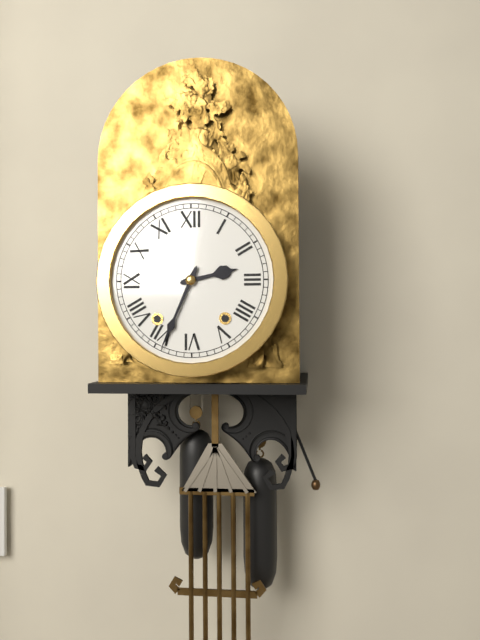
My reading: 2:34
